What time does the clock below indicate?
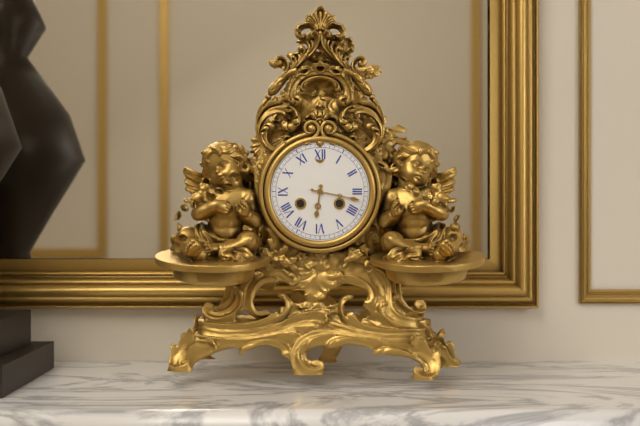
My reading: 6:17
